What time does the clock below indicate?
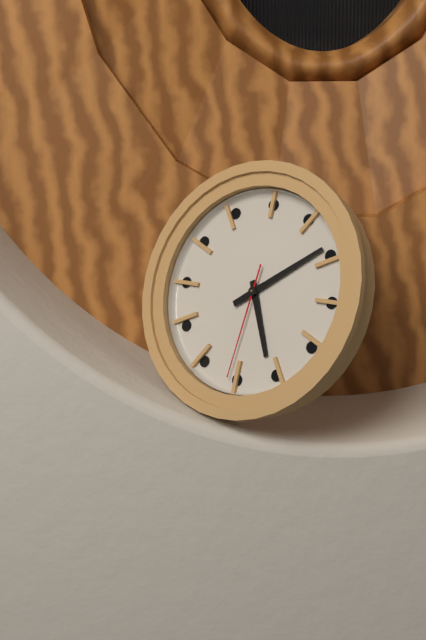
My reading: 5:09:31
